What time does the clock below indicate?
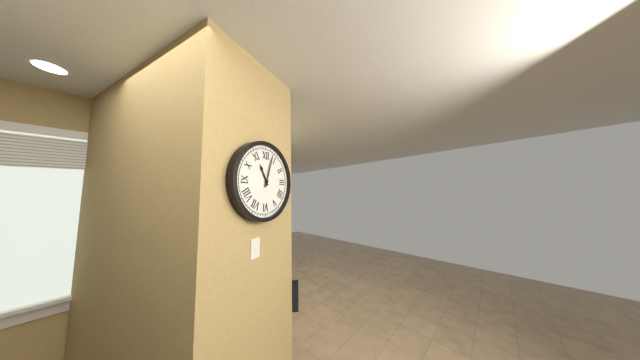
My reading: 11:03
